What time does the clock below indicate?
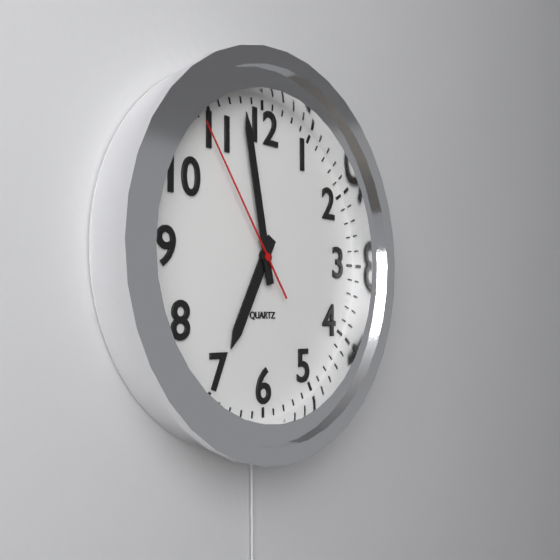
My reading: 6:58:54
